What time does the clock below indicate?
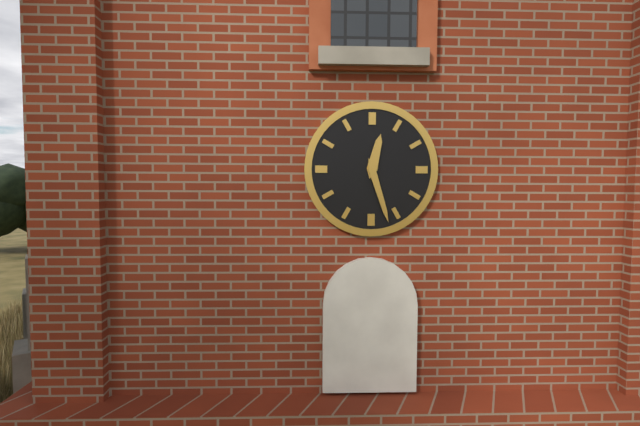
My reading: 12:27
